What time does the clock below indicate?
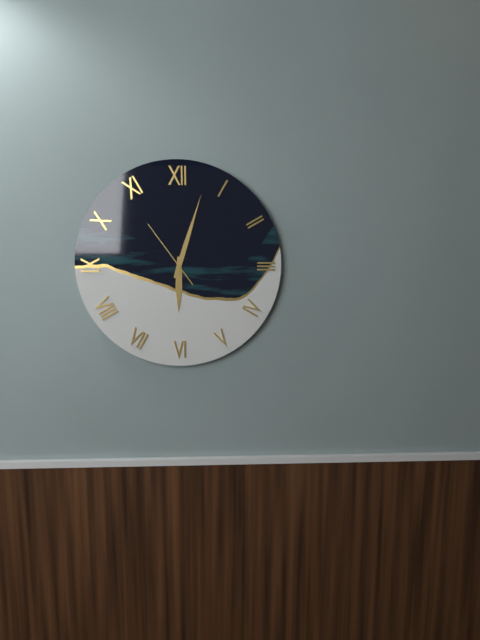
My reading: 6:03:54
